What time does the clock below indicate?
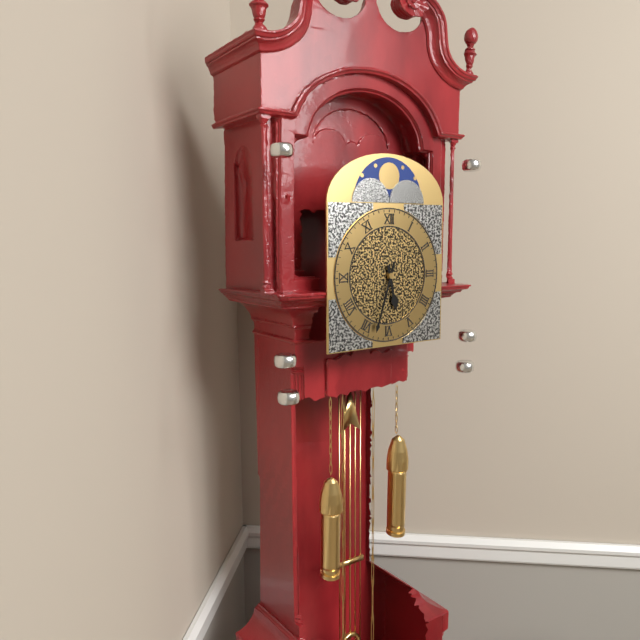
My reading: 5:33
